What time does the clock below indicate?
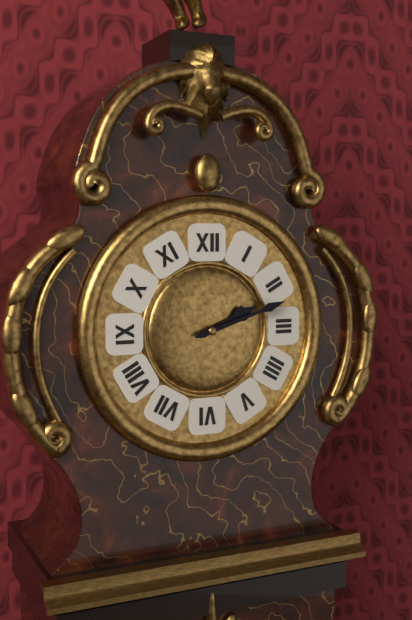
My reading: 2:12
